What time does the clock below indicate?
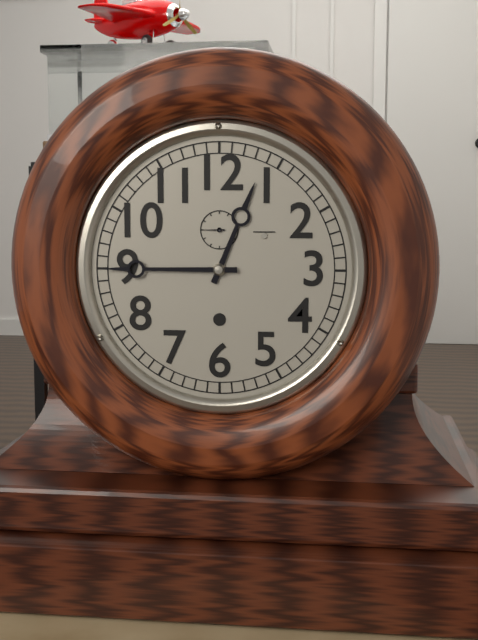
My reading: 12:45
